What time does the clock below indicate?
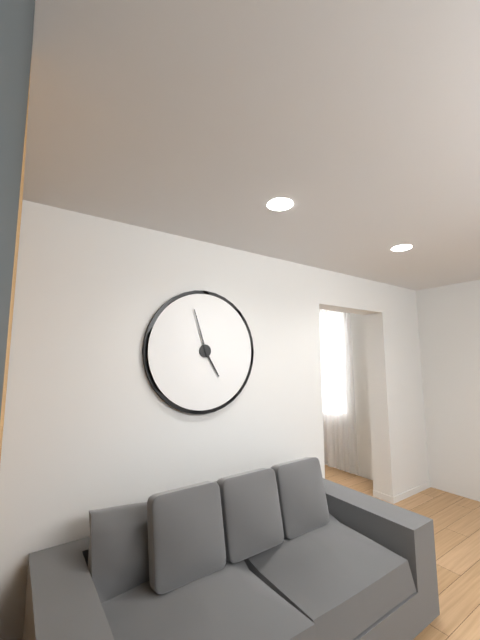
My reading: 4:57
